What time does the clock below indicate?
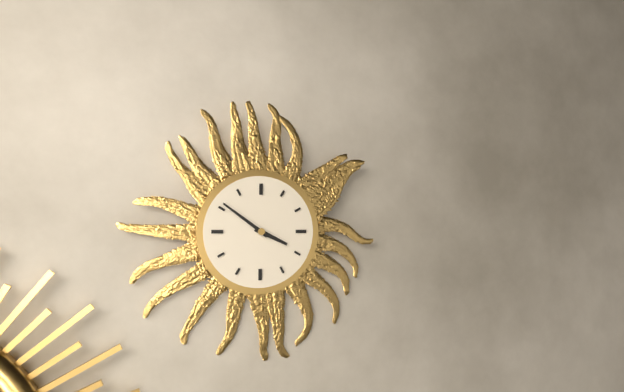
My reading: 3:51
